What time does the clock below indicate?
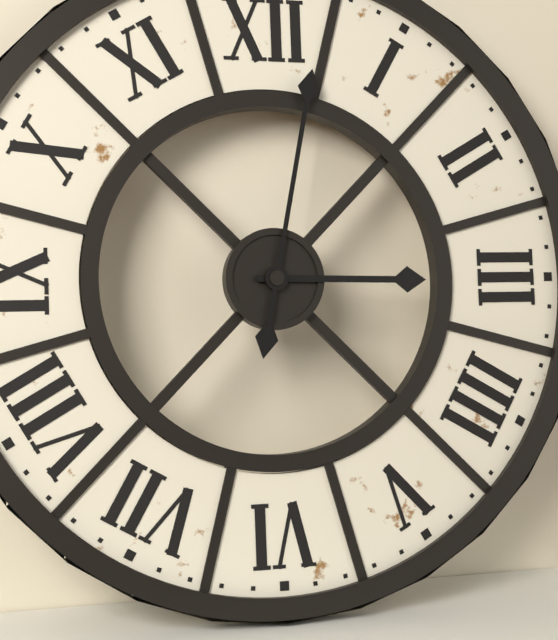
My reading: 3:02
